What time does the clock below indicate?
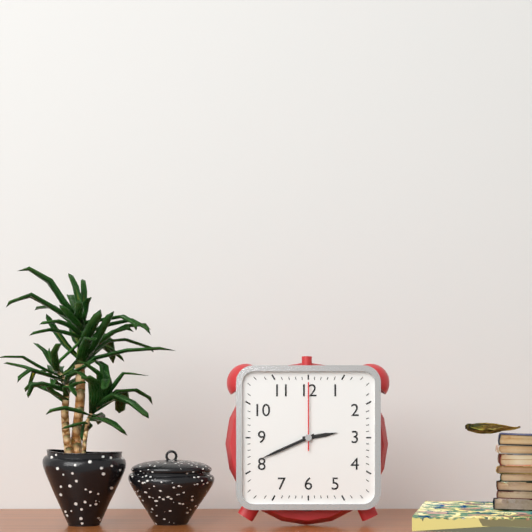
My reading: 2:41:00
